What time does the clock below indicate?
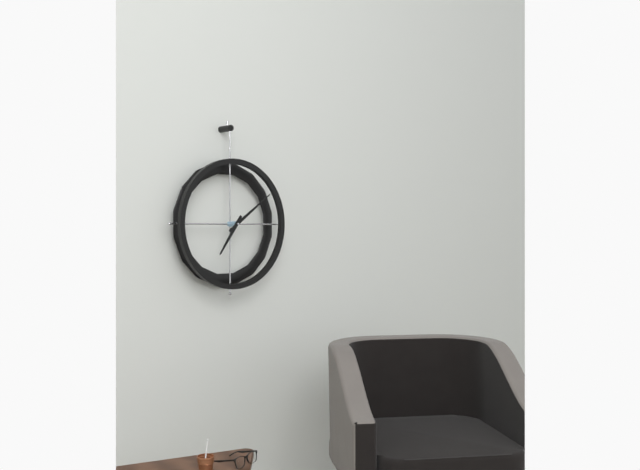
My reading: 7:09
